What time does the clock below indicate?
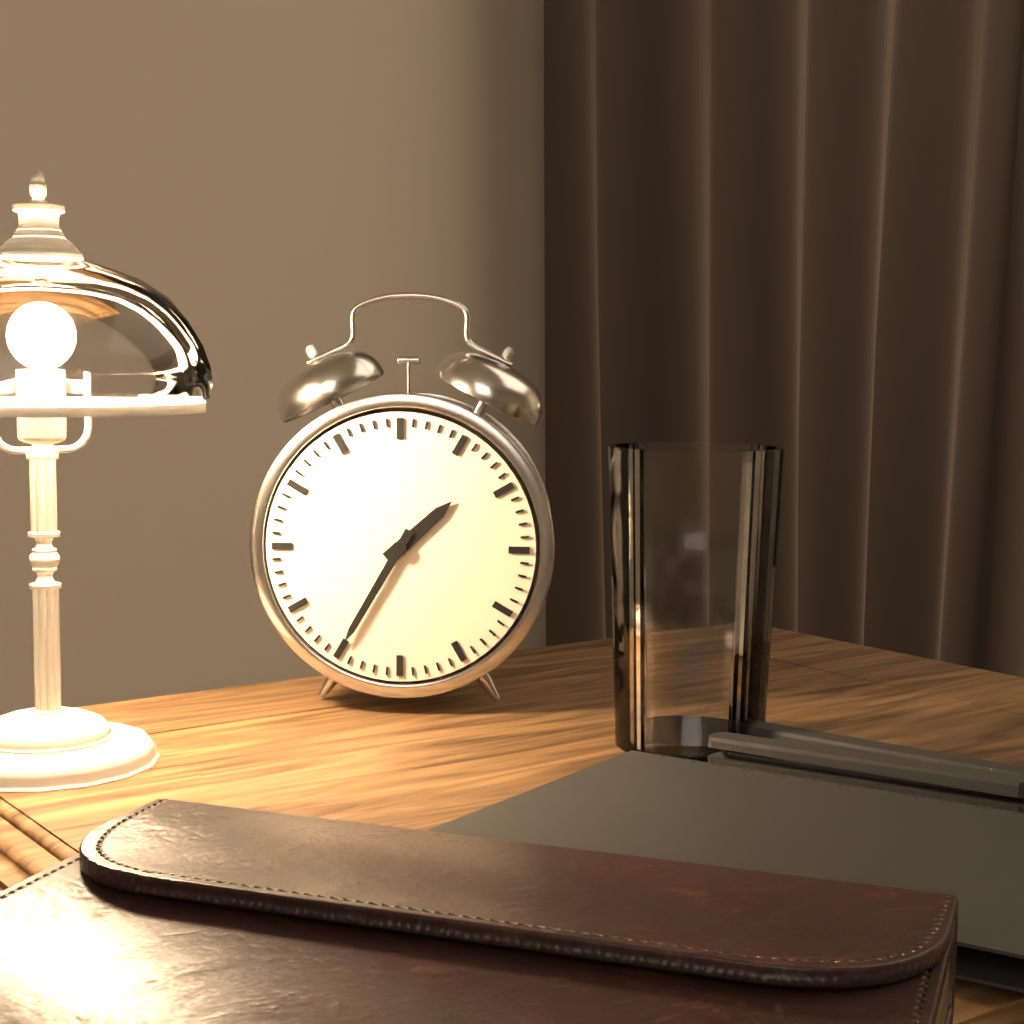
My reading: 1:35
